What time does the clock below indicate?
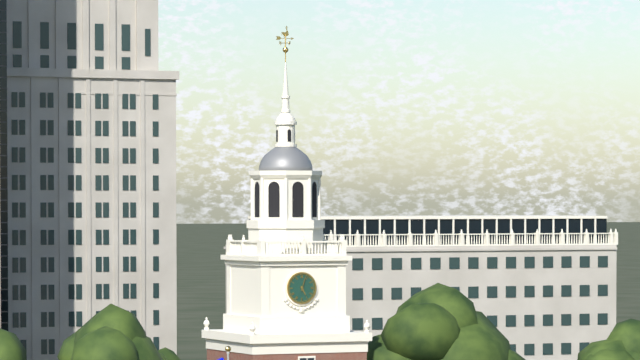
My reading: 5:03
